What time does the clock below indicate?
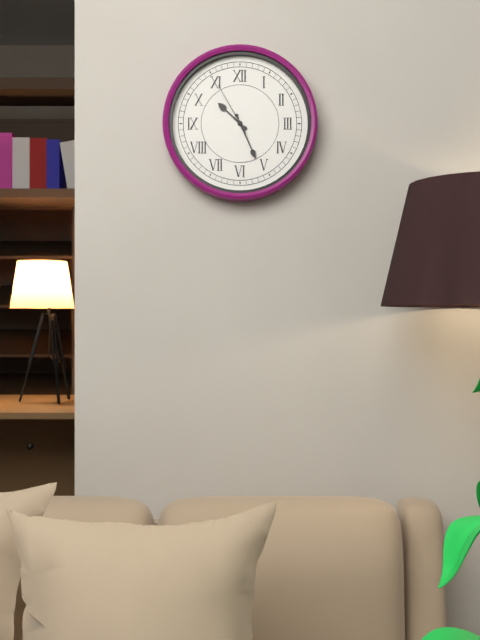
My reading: 10:26:55
